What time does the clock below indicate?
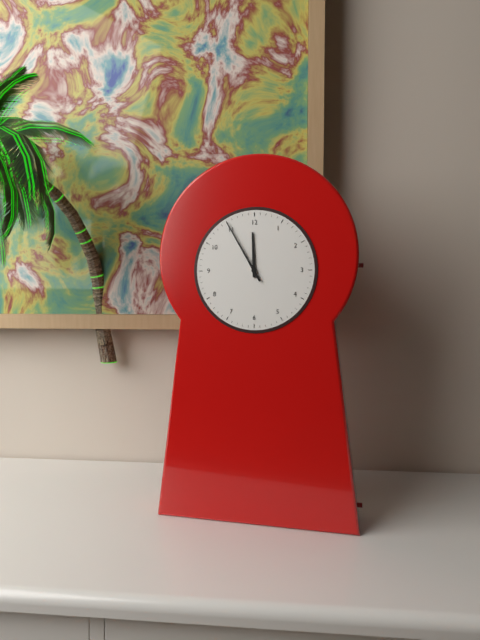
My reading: 11:55
